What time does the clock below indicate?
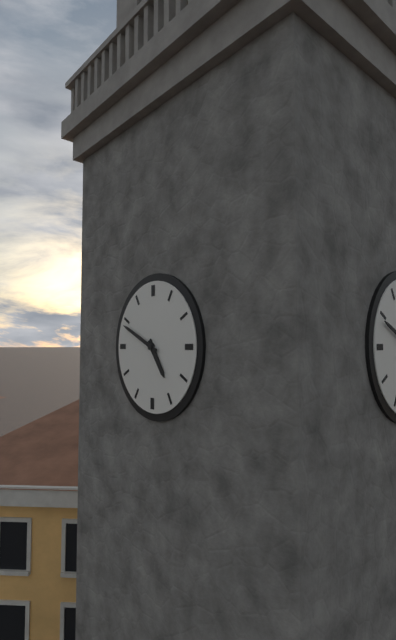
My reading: 4:49
